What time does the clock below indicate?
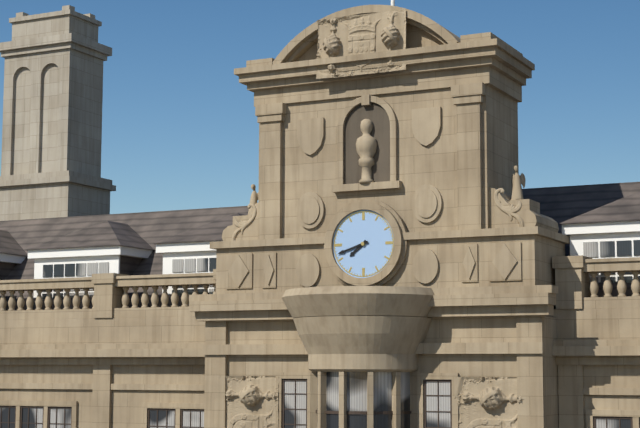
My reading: 7:42
